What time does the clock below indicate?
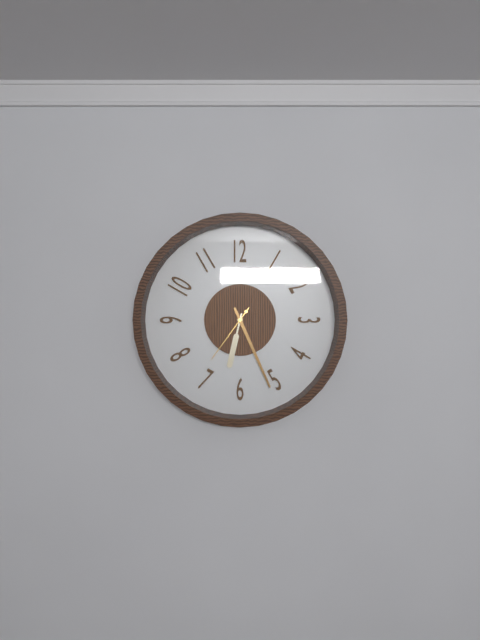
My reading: 6:26:36
